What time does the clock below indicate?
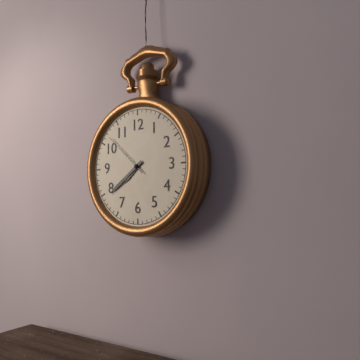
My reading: 7:39
